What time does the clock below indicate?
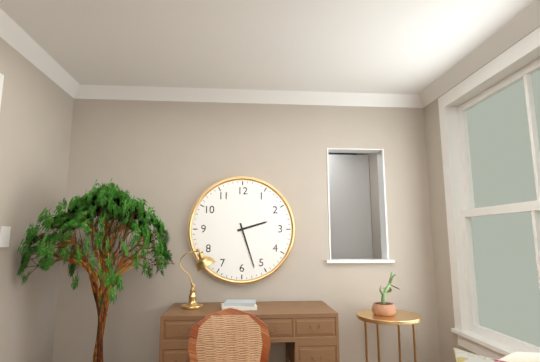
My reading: 2:27
